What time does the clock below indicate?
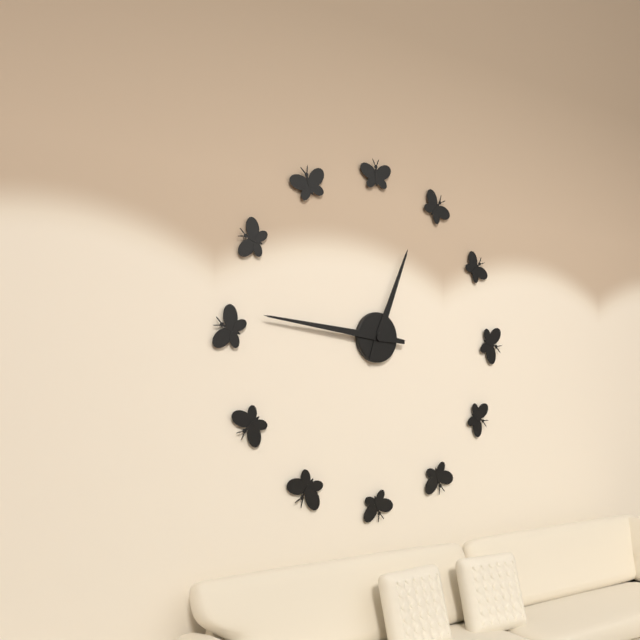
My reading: 12:46
